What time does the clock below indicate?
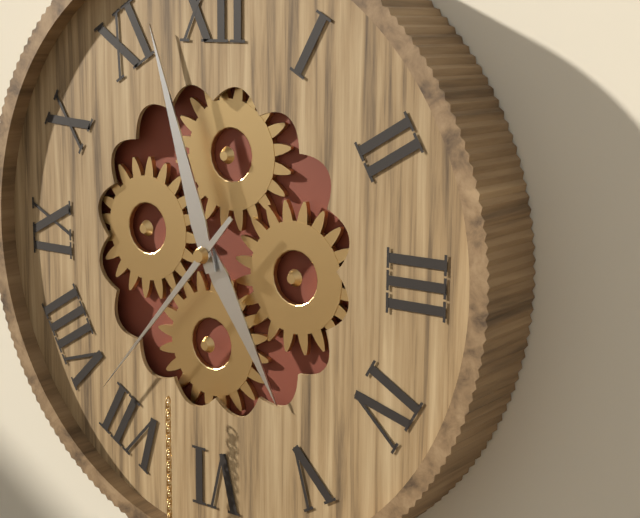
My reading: 4:57:37
